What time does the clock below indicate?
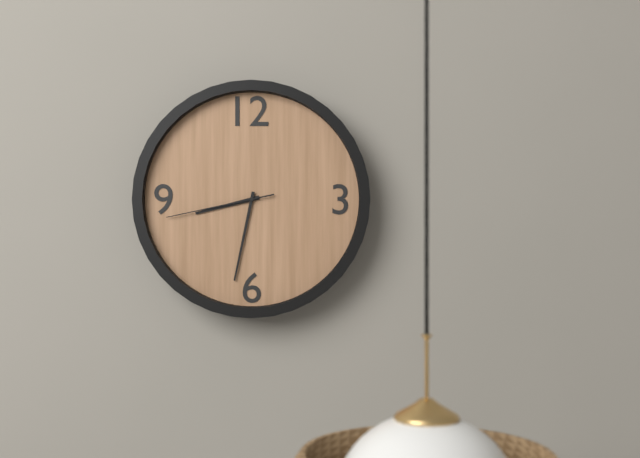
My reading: 8:32:43
